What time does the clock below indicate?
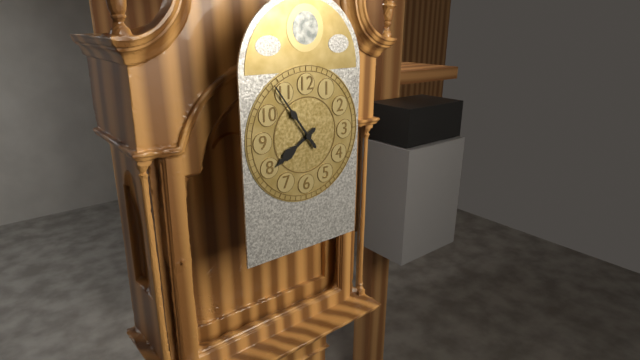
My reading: 7:54
